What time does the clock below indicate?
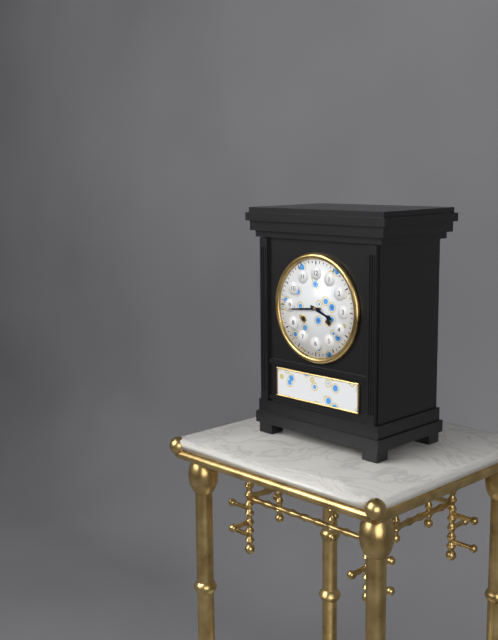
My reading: 3:44
